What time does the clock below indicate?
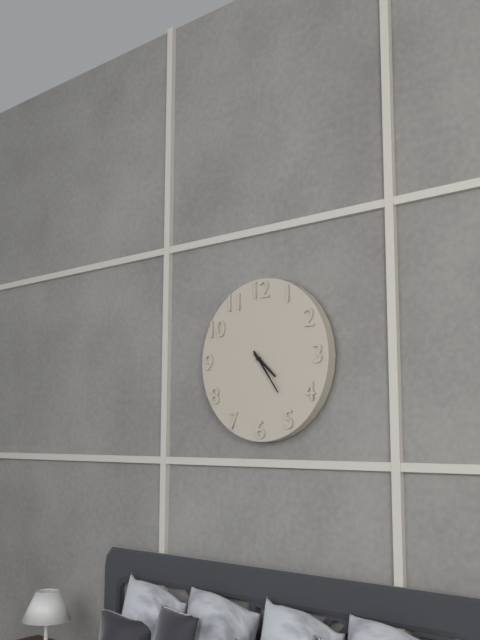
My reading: 4:24
